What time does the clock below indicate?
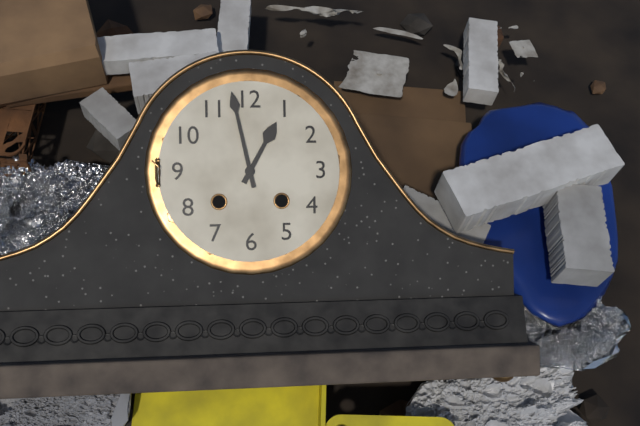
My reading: 12:58
